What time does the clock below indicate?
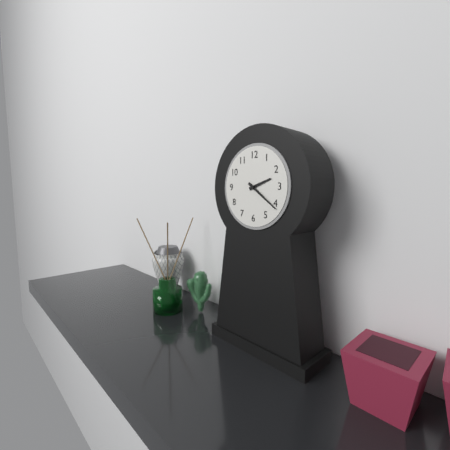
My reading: 2:21
